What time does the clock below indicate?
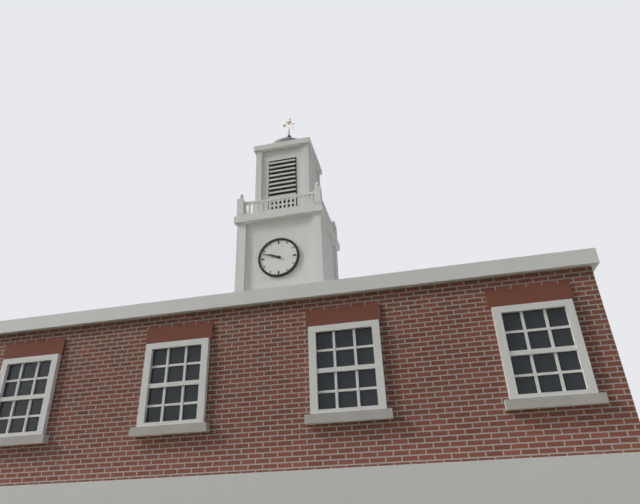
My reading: 9:48
